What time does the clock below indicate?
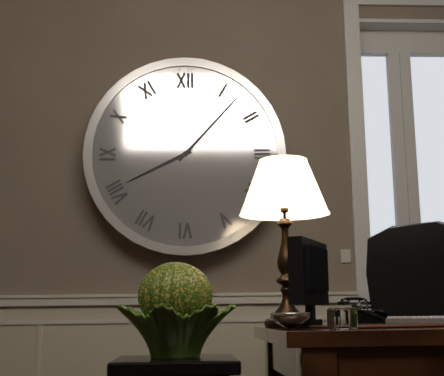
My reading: 8:07
